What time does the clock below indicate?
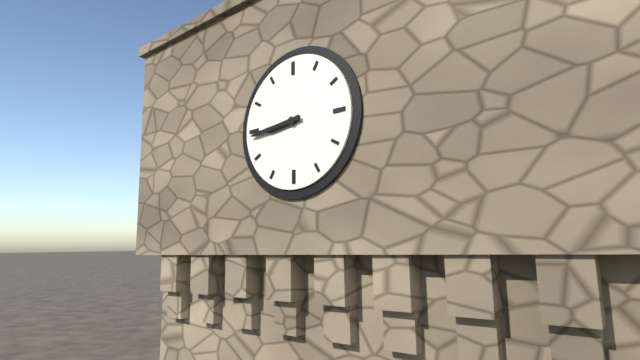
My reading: 8:44
